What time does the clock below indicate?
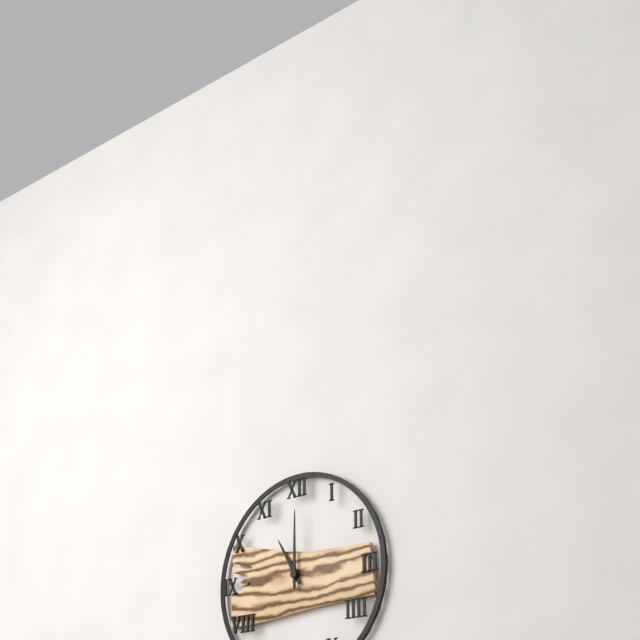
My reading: 11:00
